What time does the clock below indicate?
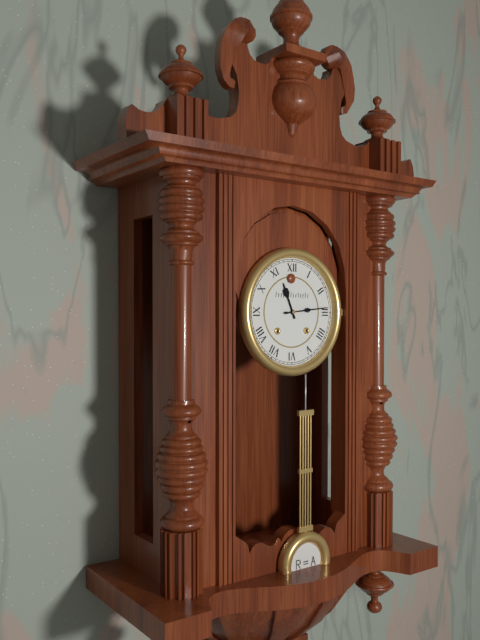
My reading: 11:14
